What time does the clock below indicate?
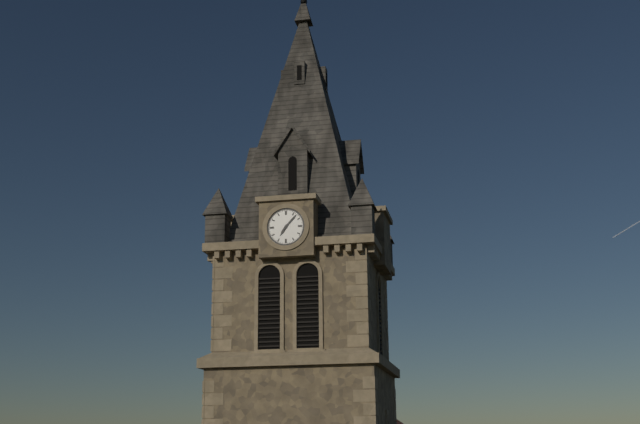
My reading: 7:07
